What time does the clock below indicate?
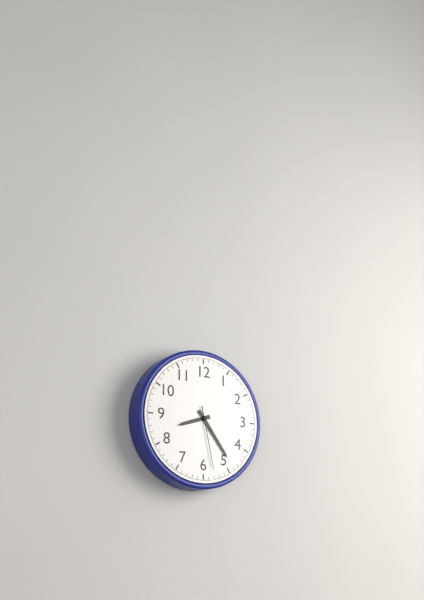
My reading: 8:24:28
